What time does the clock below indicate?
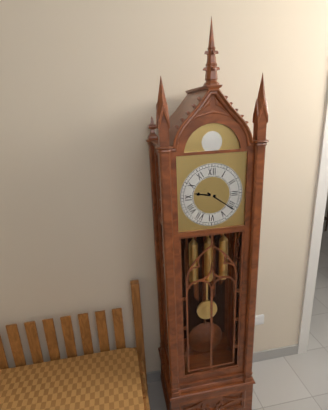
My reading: 9:21
